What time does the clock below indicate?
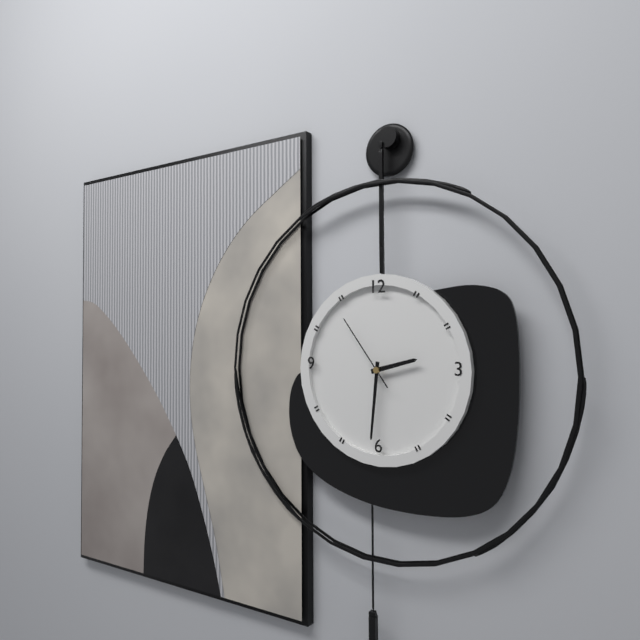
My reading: 2:31:54
